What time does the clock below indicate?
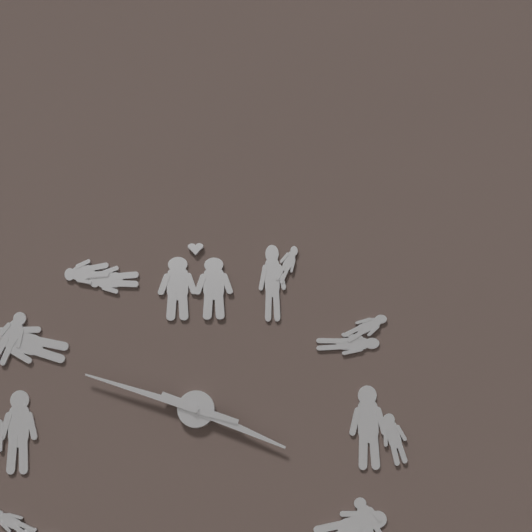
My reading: 3:48
